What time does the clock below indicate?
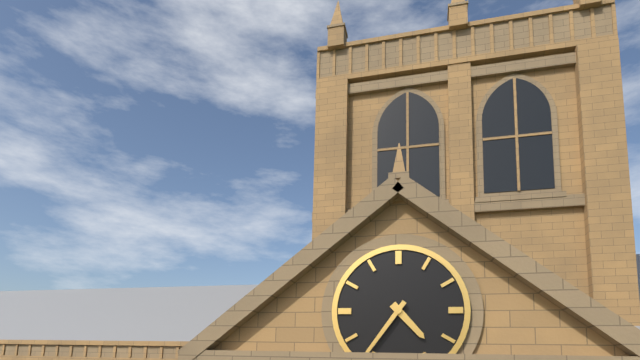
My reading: 4:36
